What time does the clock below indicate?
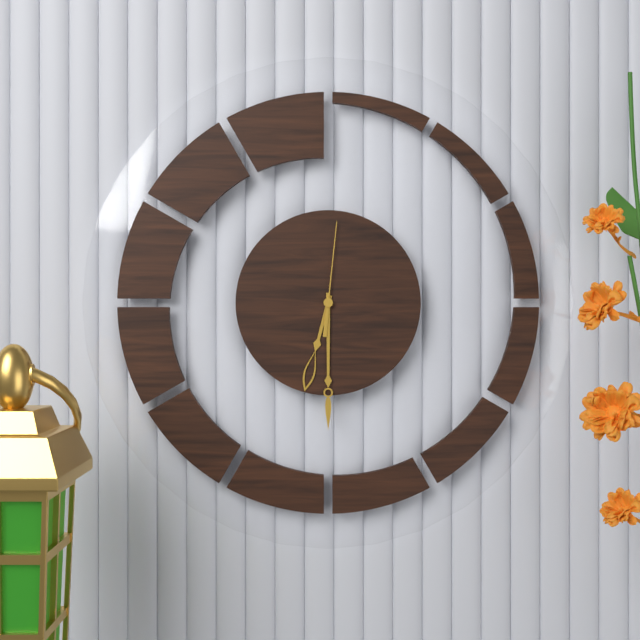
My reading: 6:30:01
